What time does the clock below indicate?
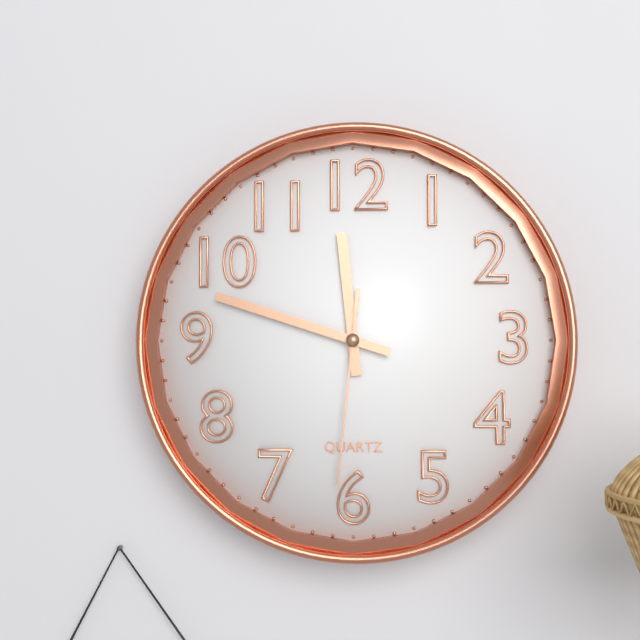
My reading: 11:48:31
